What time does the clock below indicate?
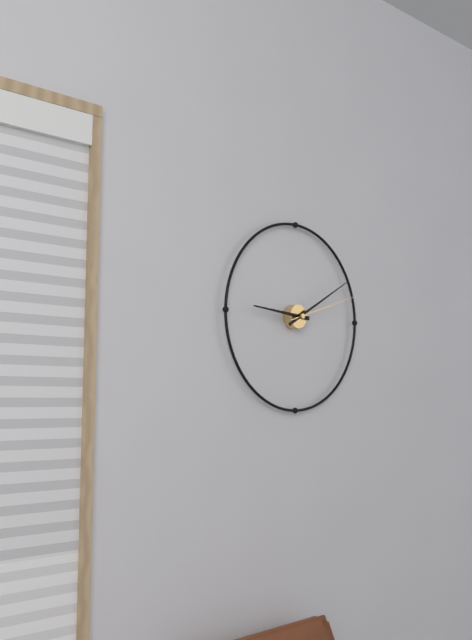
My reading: 9:10:12
